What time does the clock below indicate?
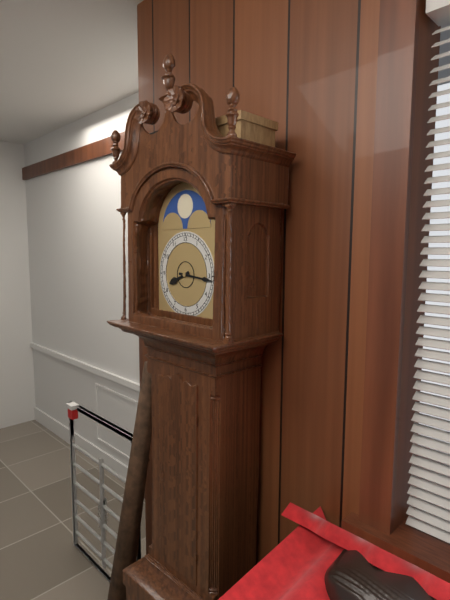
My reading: 8:16
